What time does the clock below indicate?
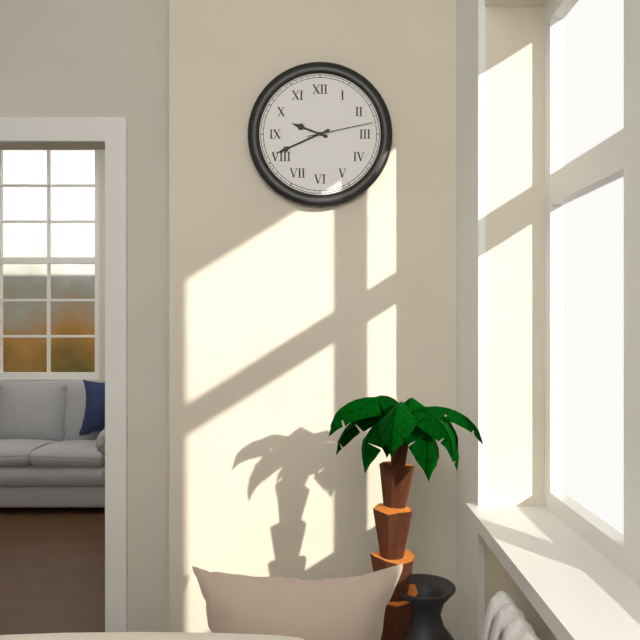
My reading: 9:41:13
